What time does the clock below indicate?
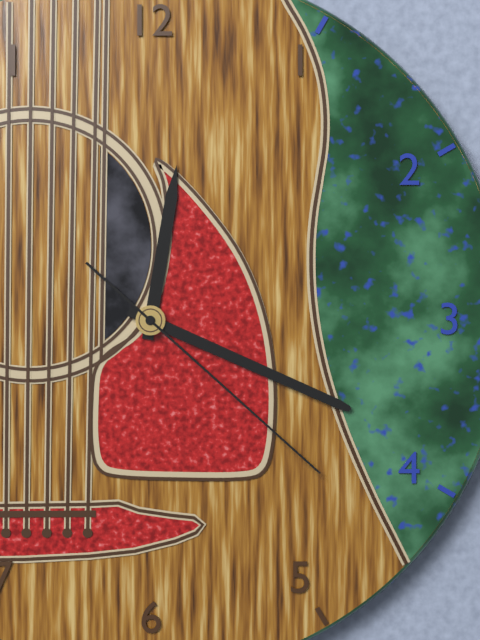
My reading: 12:19:22
